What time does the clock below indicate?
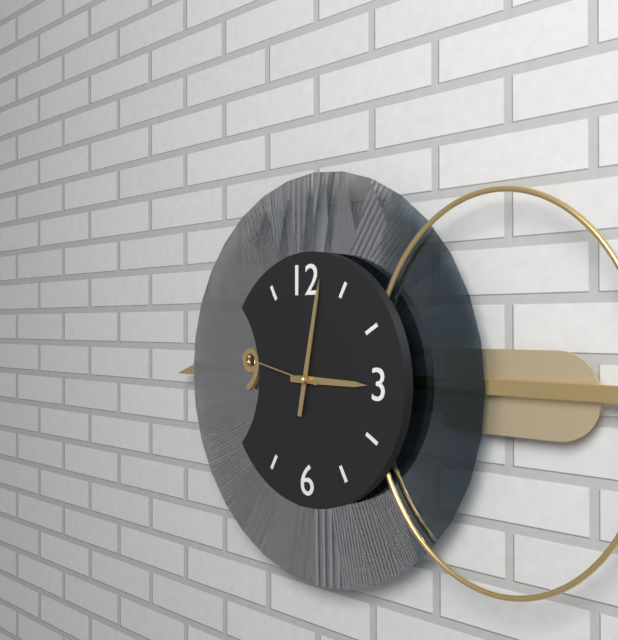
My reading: 3:02:47
